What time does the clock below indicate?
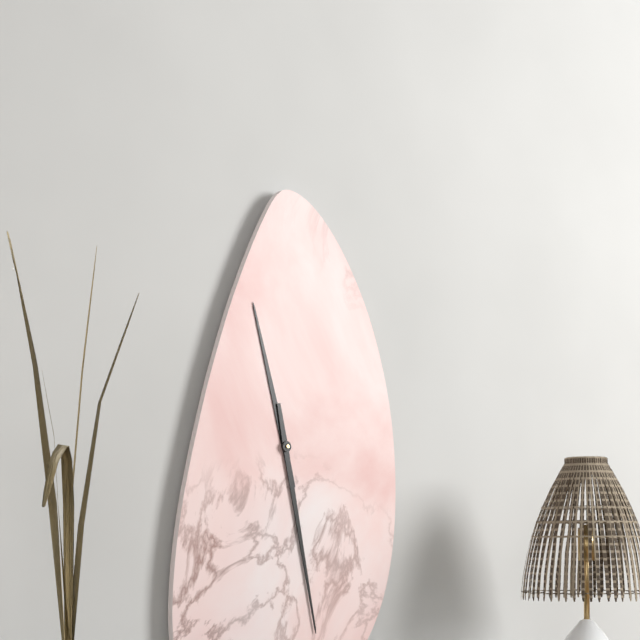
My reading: 11:28
